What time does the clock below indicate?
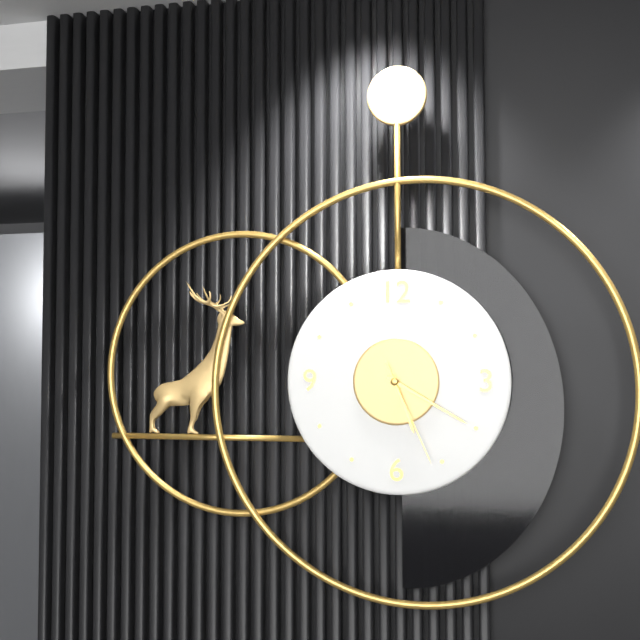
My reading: 5:20:26
